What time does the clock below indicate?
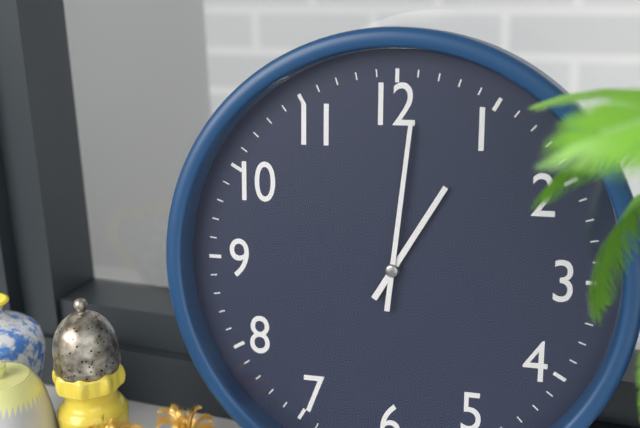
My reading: 1:01
